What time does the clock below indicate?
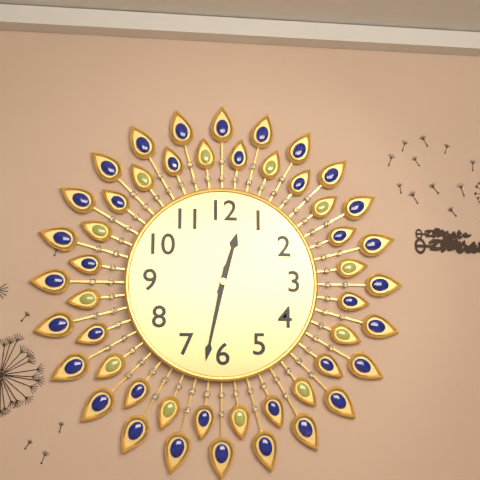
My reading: 12:32
